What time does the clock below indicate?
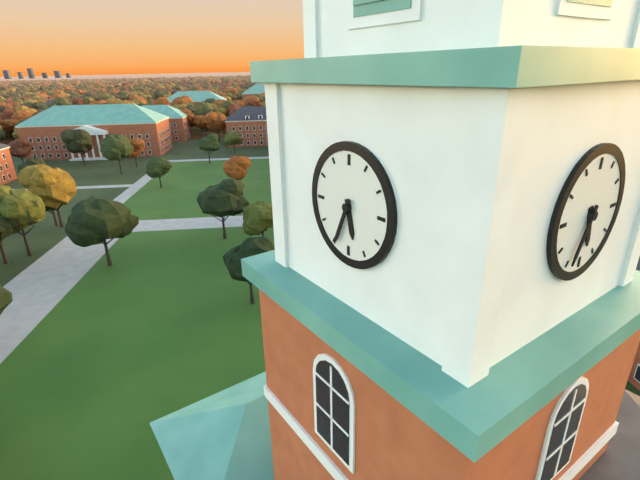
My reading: 5:34
